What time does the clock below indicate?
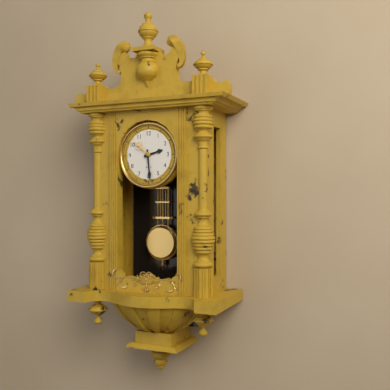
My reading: 2:29
